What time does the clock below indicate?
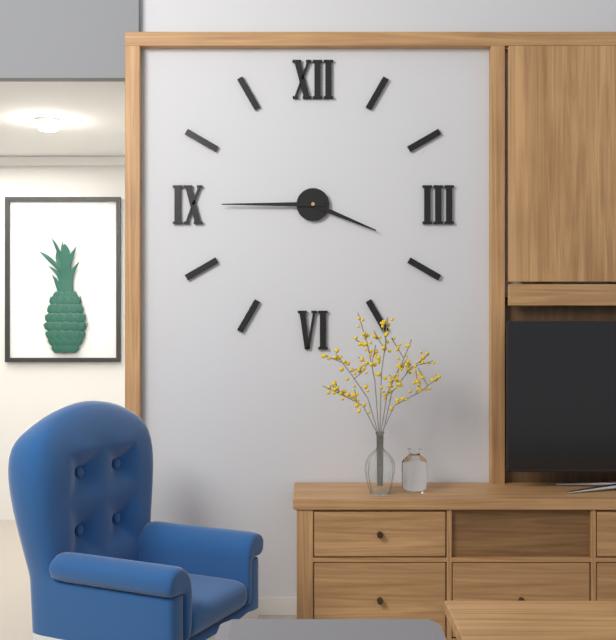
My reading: 3:45
